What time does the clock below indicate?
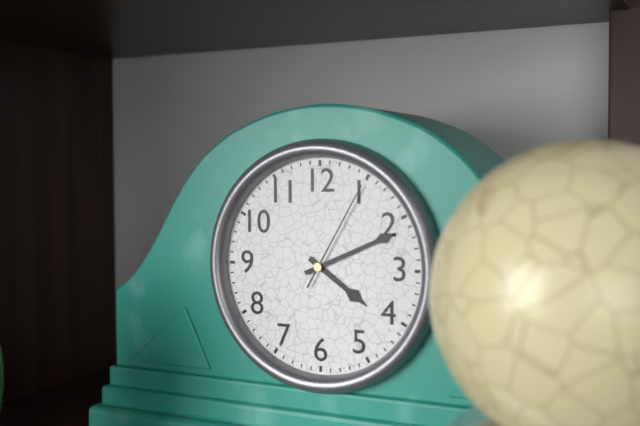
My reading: 4:11:05
